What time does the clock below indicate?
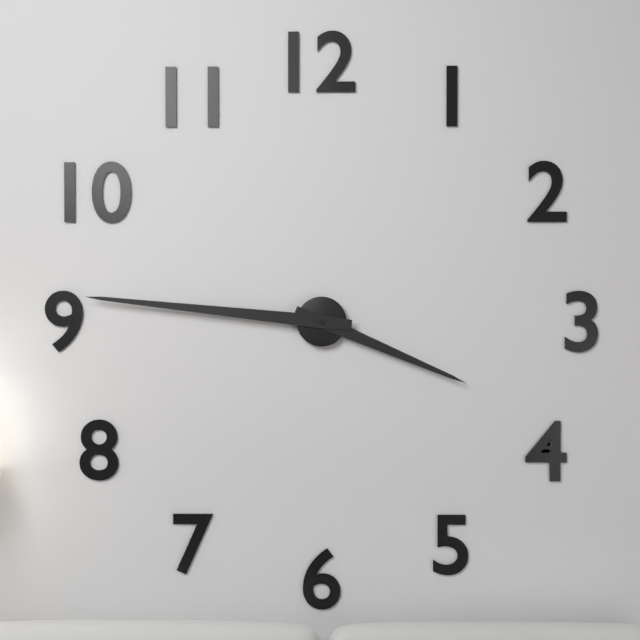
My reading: 3:46
